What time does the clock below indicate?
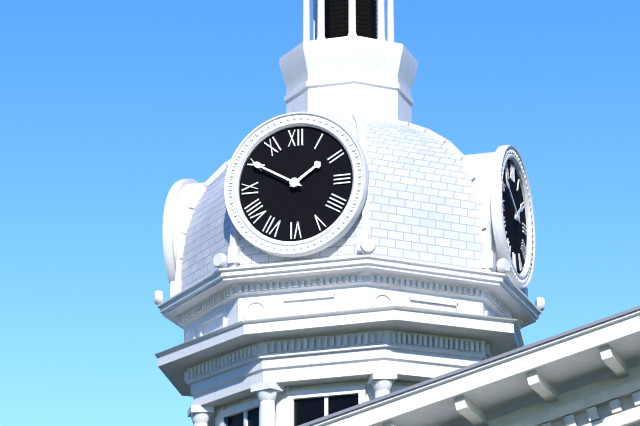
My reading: 1:50
